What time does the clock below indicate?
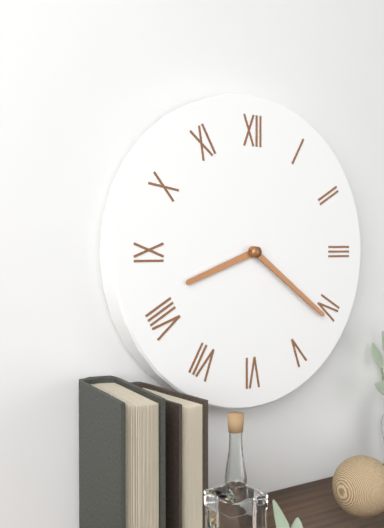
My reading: 8:21
